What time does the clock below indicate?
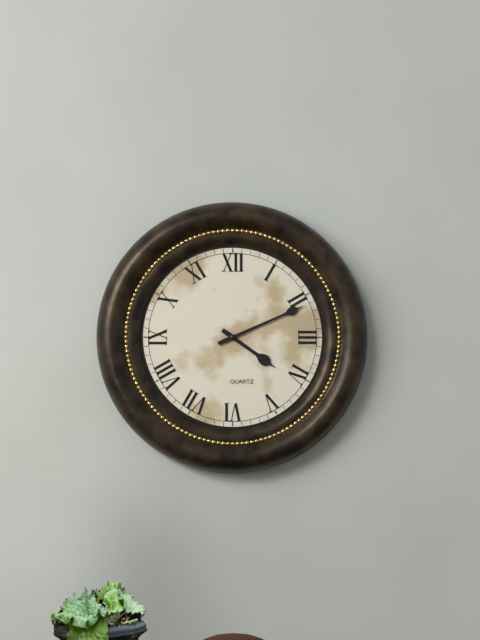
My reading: 4:11
